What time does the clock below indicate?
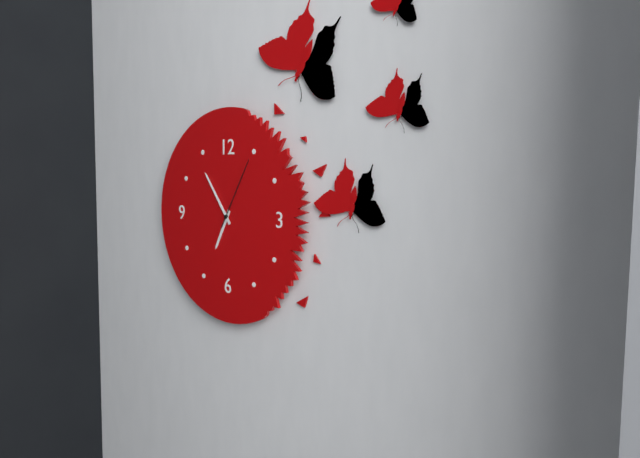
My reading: 6:54:05
